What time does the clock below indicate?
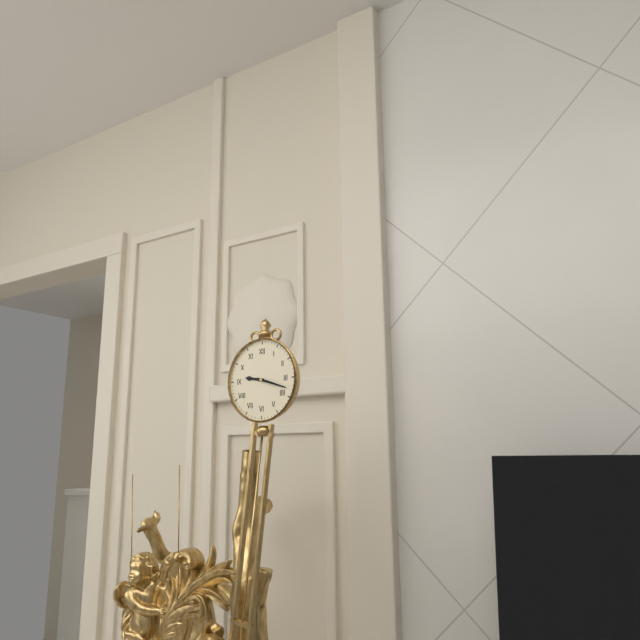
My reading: 9:18
